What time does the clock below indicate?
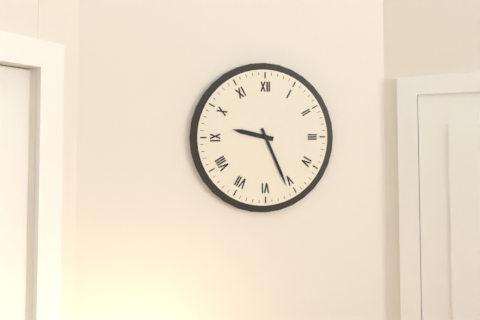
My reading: 9:26
